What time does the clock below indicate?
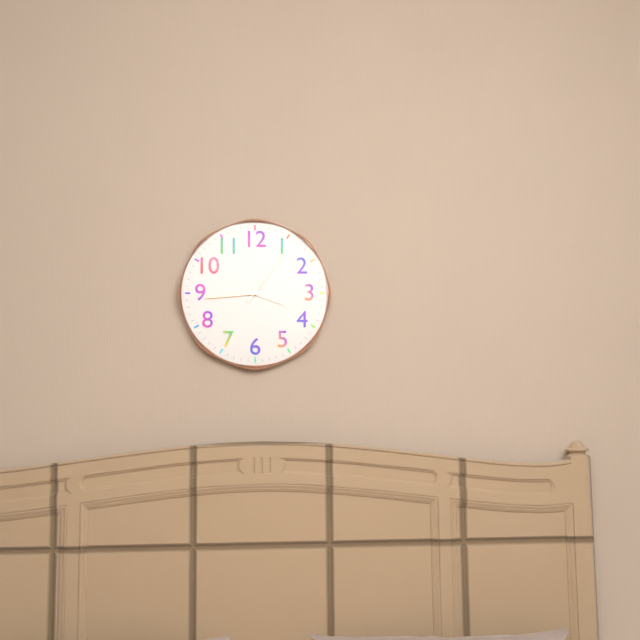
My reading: 3:44:06
